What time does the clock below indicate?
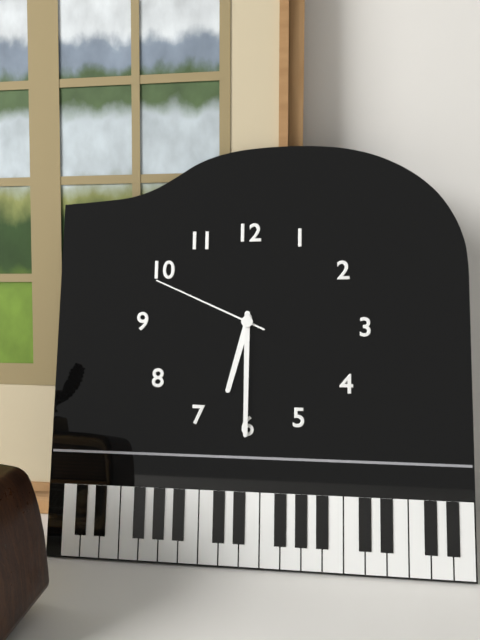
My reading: 6:30:49
